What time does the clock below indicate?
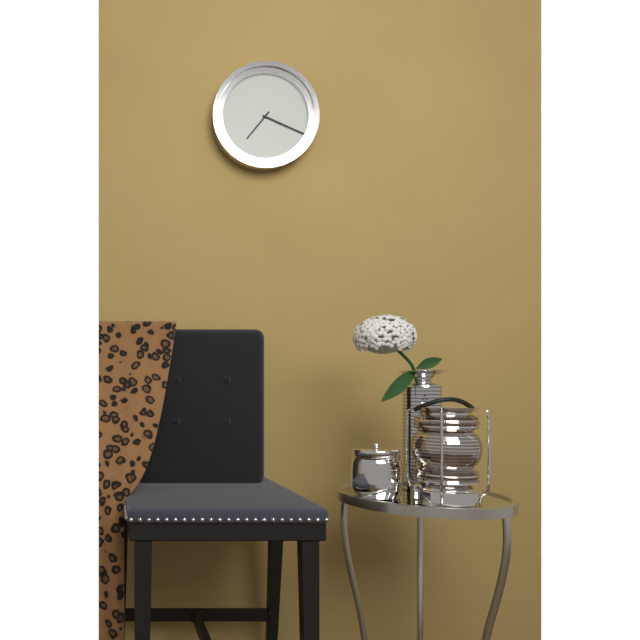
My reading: 7:19
